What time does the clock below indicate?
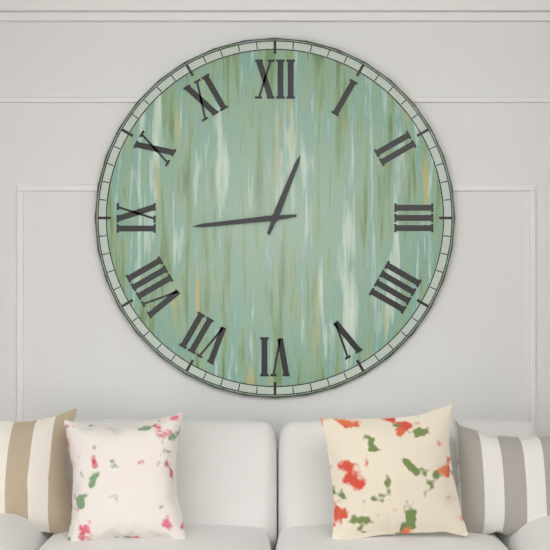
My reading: 12:44
